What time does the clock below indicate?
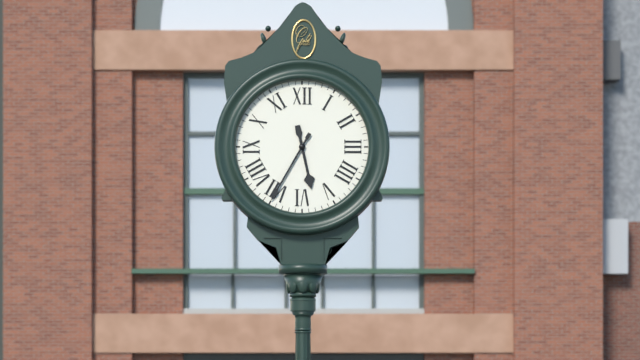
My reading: 5:35
